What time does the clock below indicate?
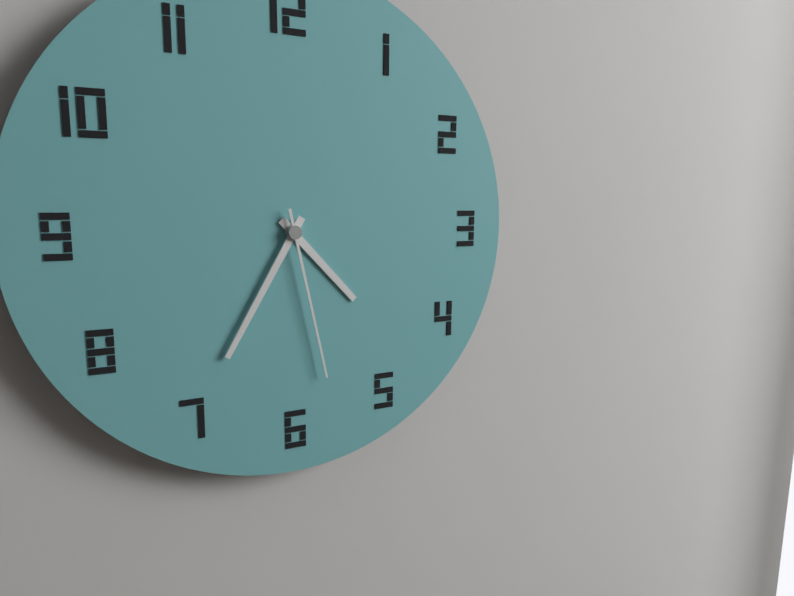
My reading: 4:35:28
